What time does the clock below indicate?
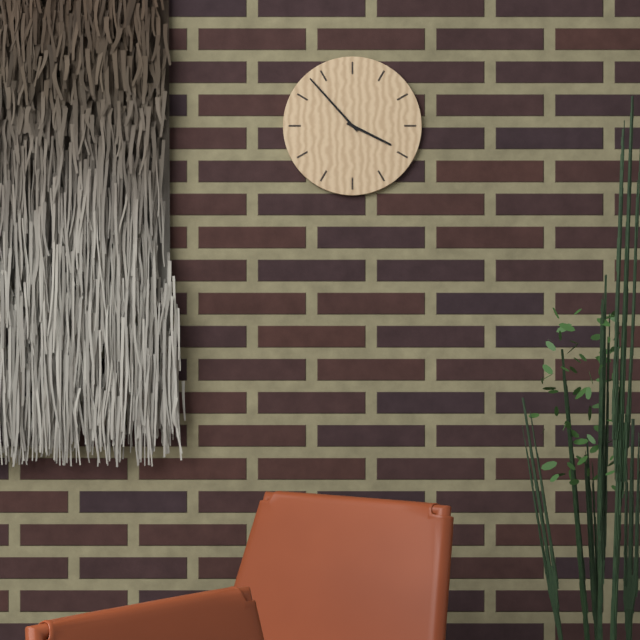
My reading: 3:53
